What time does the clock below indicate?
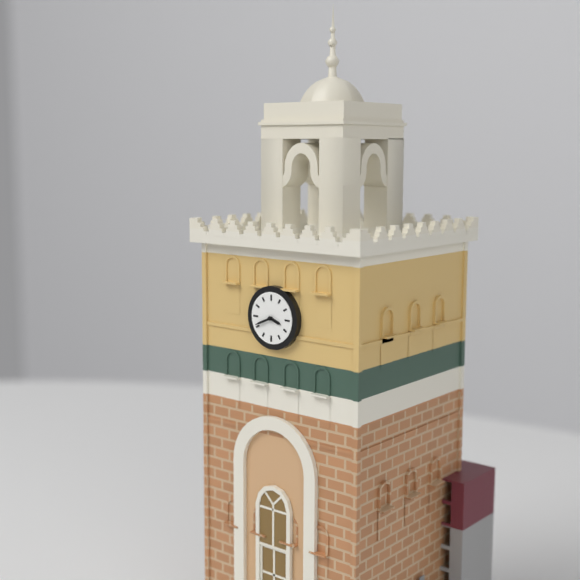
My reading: 3:41
